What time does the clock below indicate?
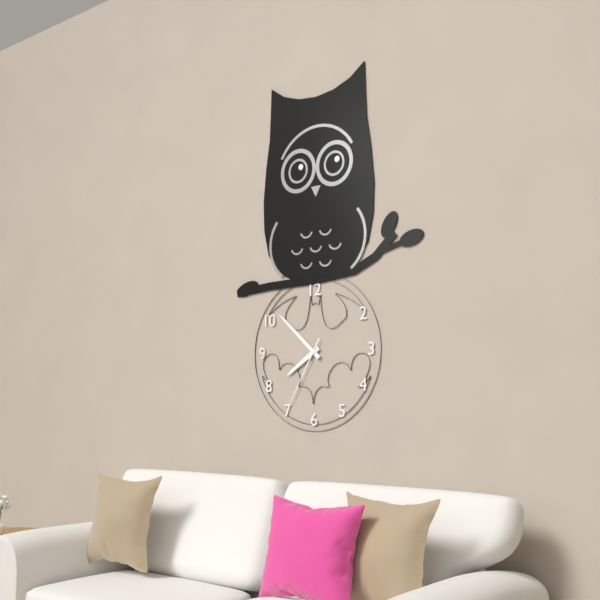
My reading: 7:52:35
